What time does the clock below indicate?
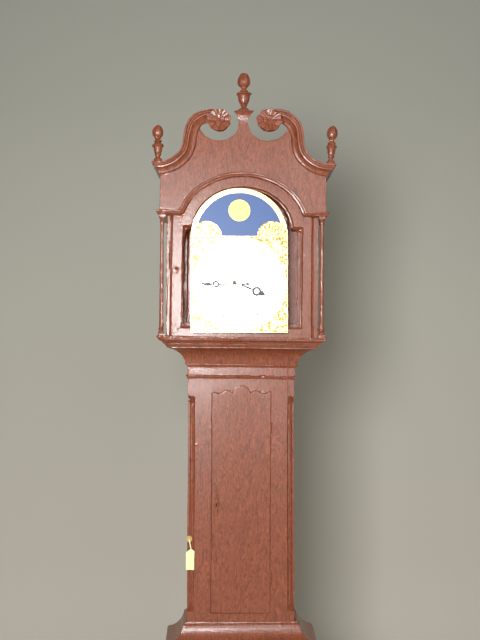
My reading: 3:45
